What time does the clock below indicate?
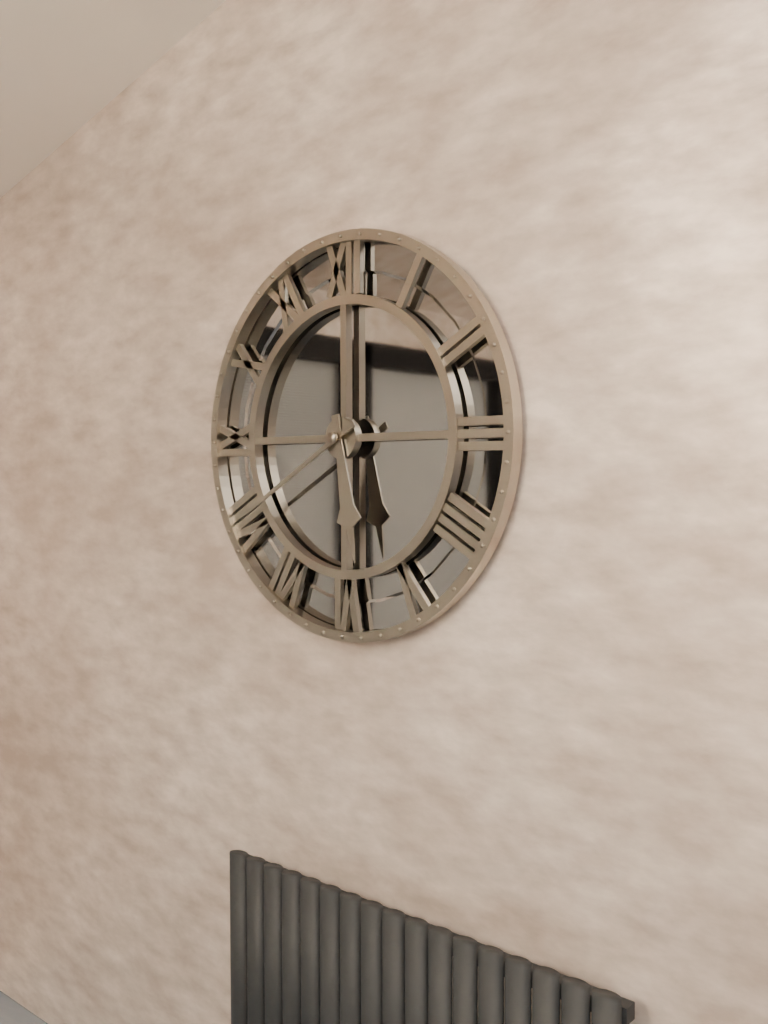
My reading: 5:40
